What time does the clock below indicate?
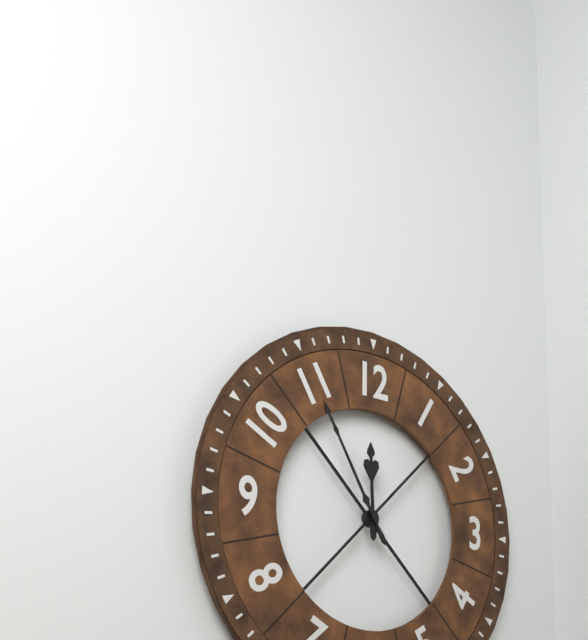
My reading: 11:55
